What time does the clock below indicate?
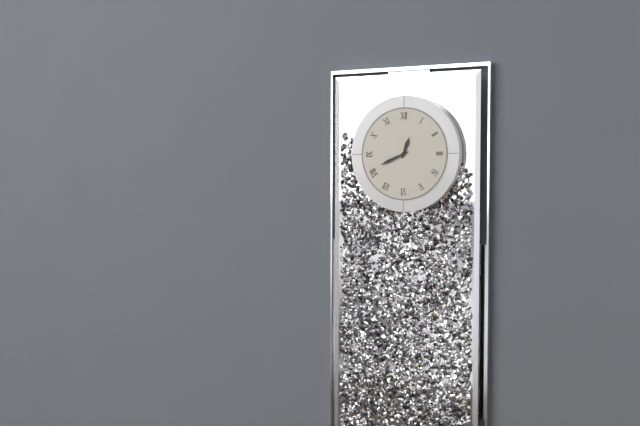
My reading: 12:41
